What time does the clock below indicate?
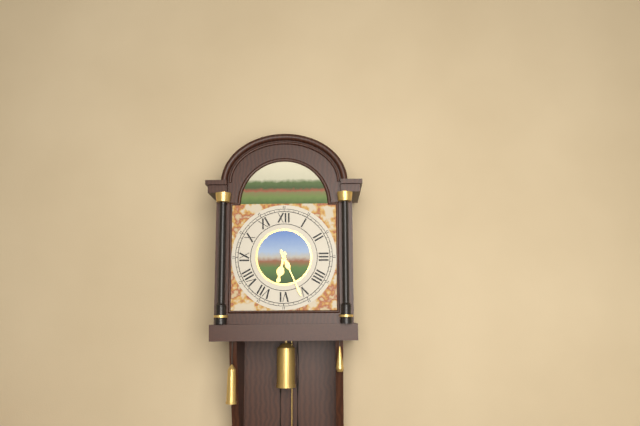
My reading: 6:26
